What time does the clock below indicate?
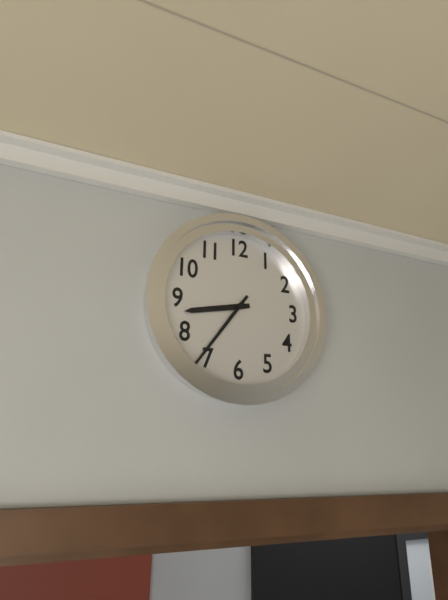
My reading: 8:36
